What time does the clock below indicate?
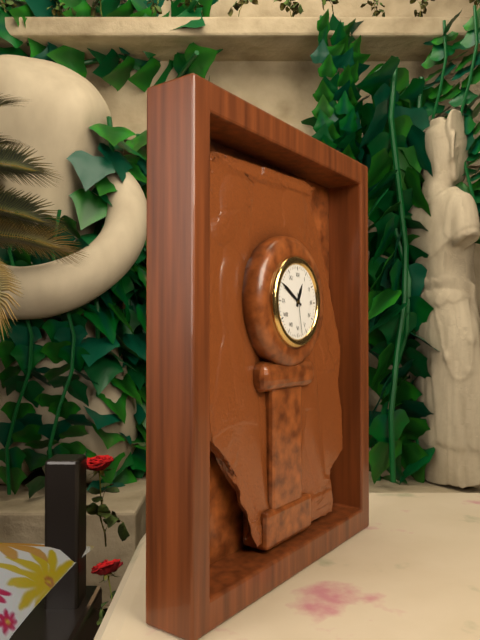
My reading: 12:50
